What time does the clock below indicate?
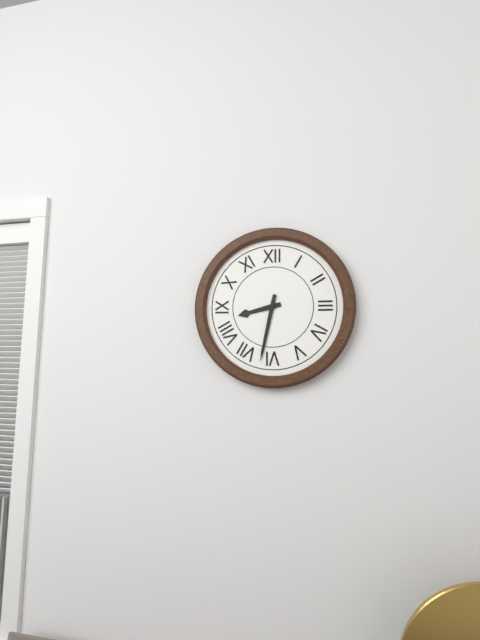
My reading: 8:32
